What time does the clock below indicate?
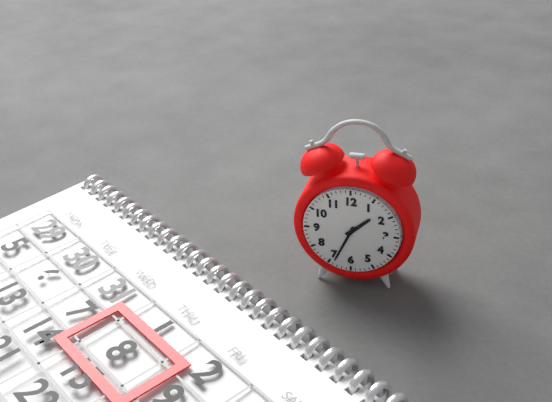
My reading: 1:34
